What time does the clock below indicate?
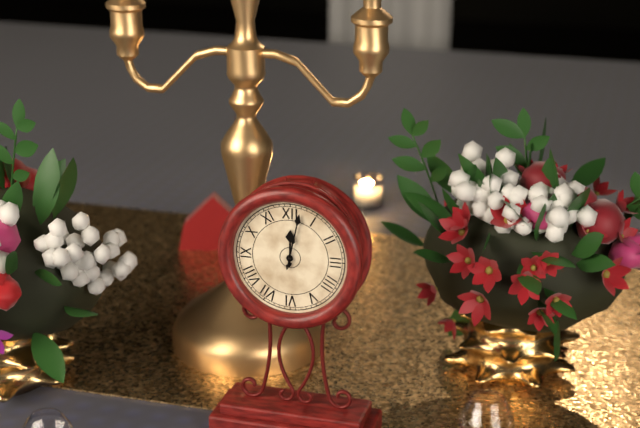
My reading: 12:02
